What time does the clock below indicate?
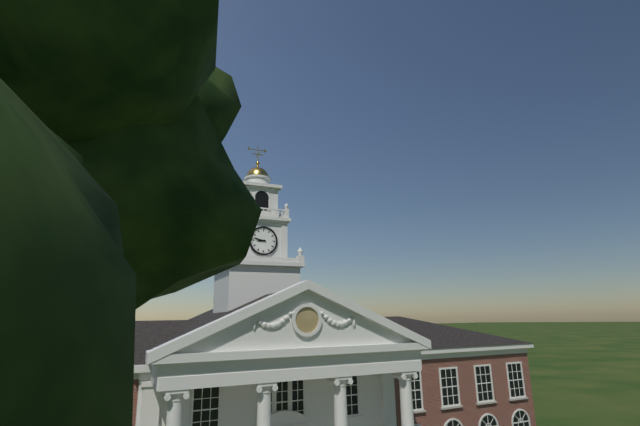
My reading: 8:47
